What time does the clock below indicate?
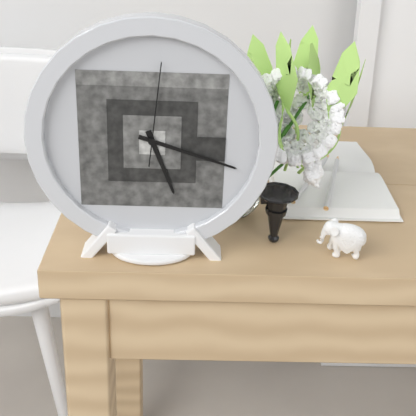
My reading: 5:18:01
